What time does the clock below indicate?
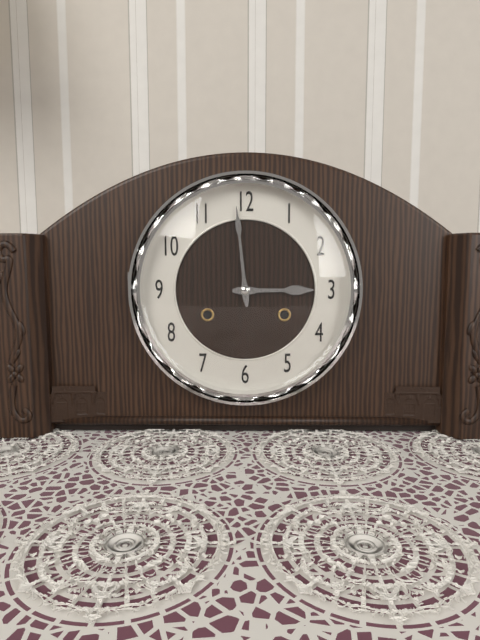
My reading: 2:59
